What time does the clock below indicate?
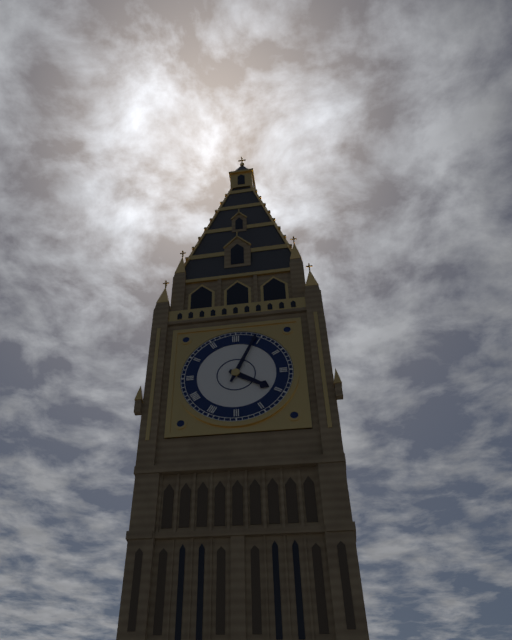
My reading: 4:04
